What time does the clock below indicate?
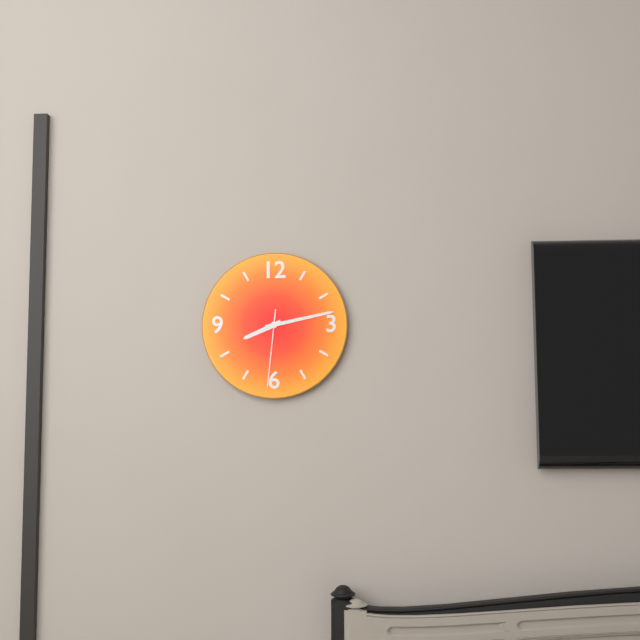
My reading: 8:13:31
